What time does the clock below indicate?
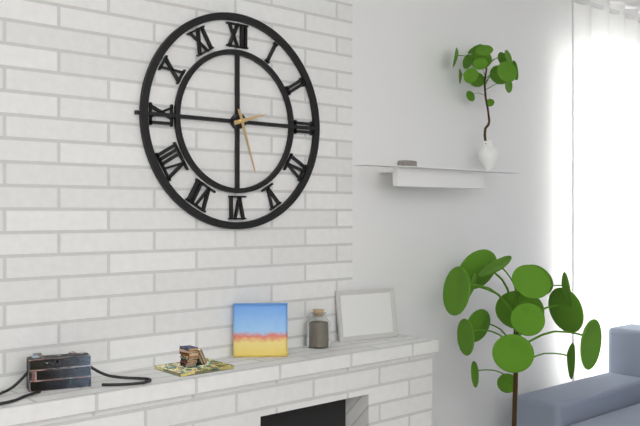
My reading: 2:27
